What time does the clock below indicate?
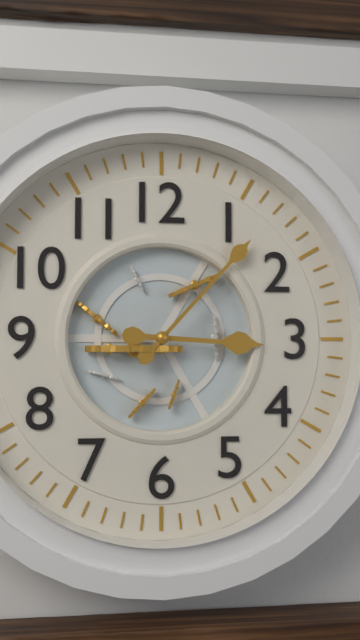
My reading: 3:07
